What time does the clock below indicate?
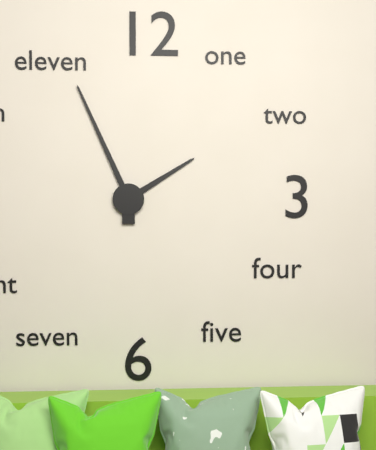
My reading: 1:56
